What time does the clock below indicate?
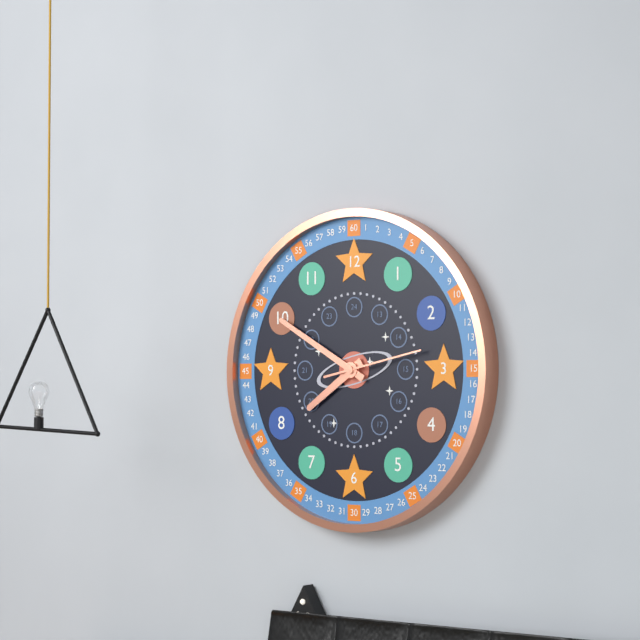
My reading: 7:50:13
